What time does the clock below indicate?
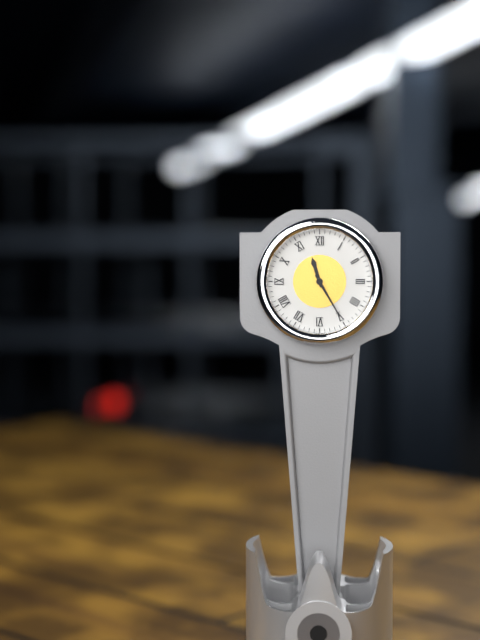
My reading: 11:25
